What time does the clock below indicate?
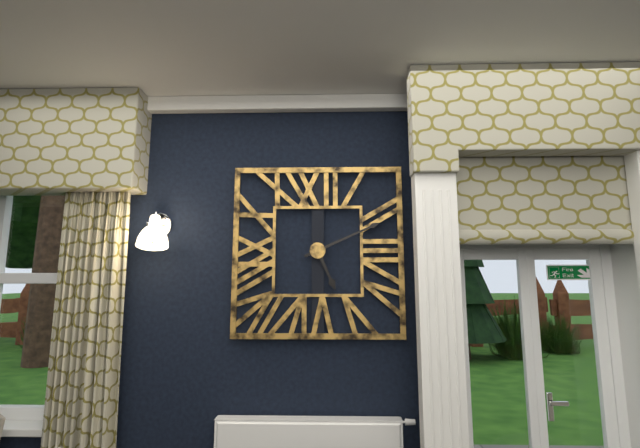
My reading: 5:11
